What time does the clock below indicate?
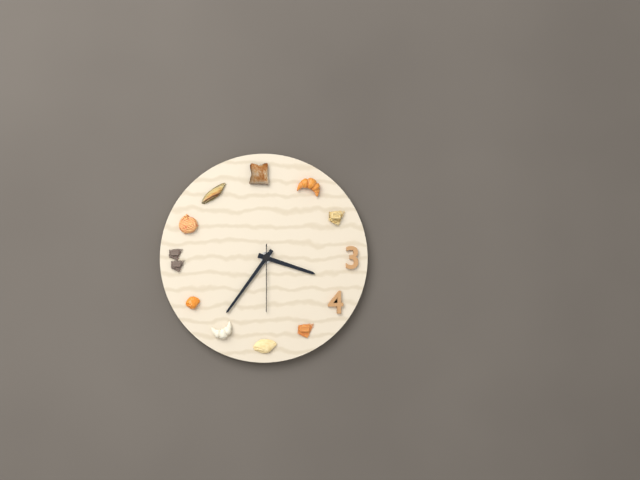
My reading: 3:36:30
